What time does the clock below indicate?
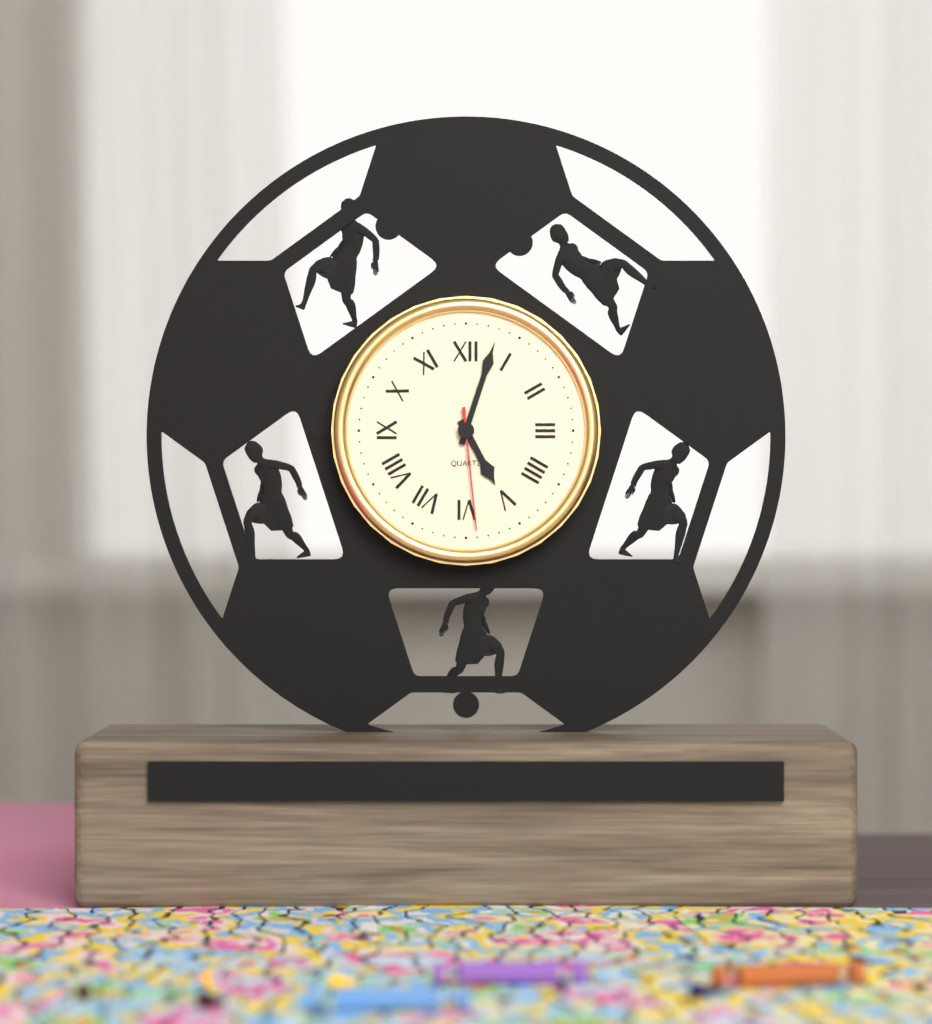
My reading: 5:03:29
